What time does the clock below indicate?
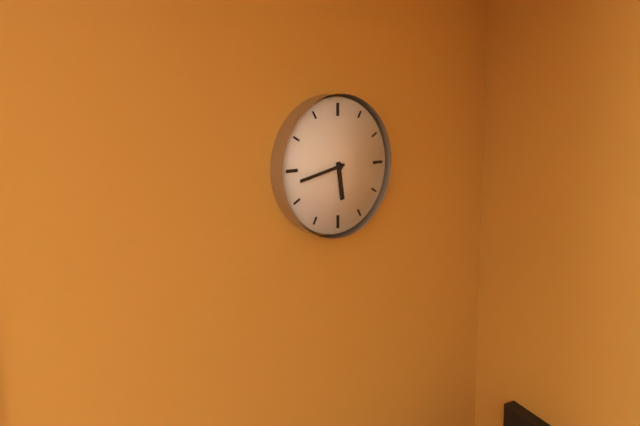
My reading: 5:43
